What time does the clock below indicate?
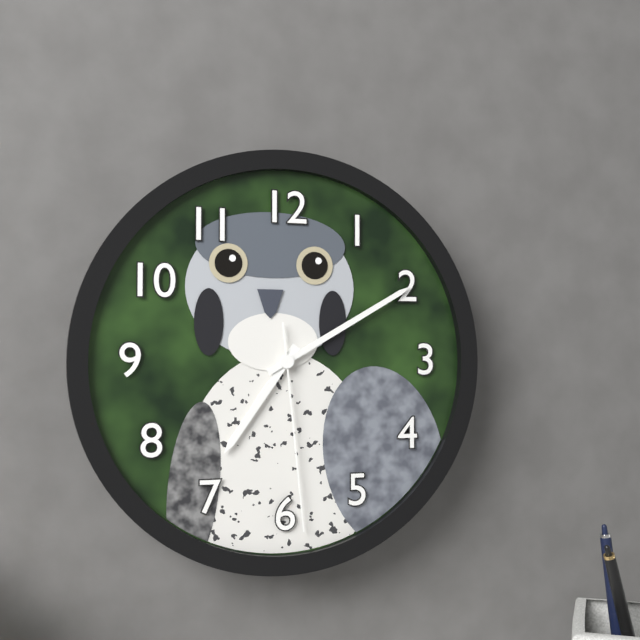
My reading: 7:10:29
